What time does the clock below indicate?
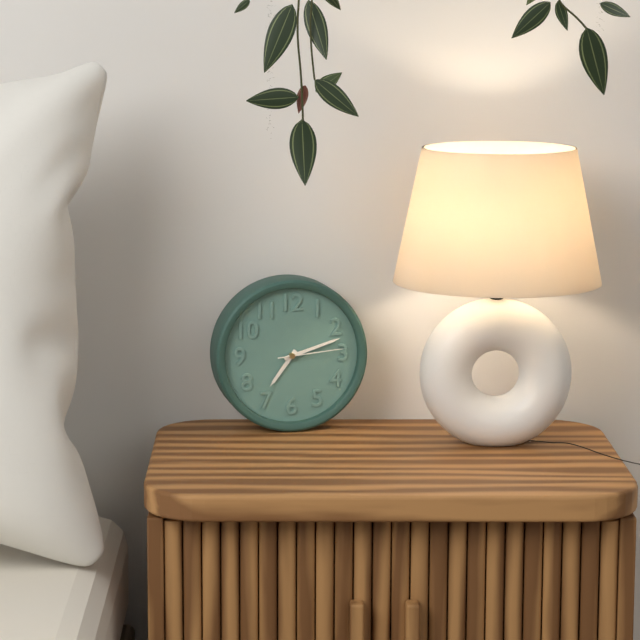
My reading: 7:12:14
